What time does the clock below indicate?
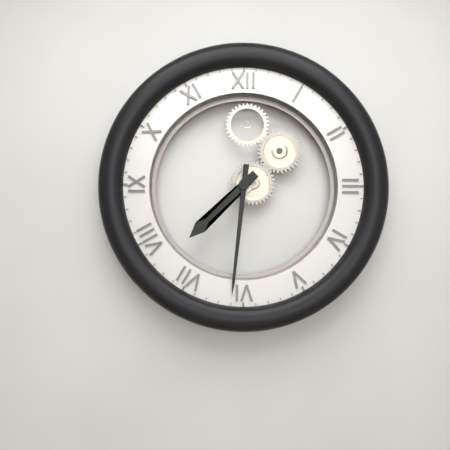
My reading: 7:31
